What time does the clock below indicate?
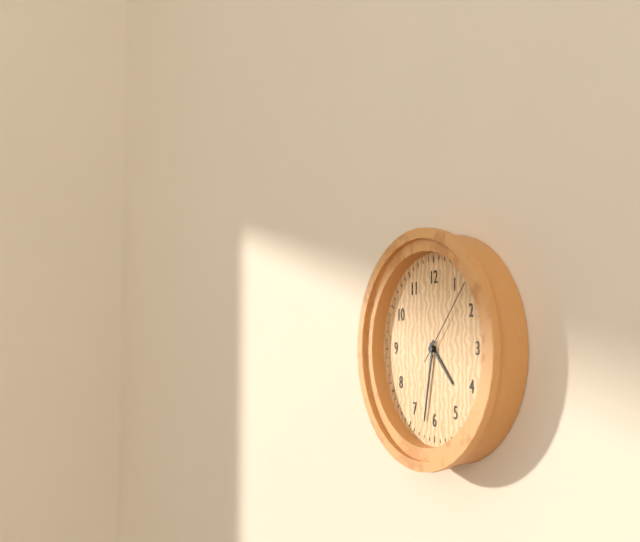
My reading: 4:32:07
